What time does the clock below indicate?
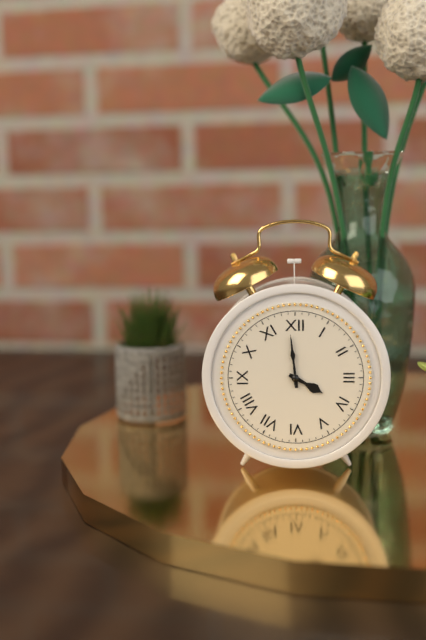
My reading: 3:59
